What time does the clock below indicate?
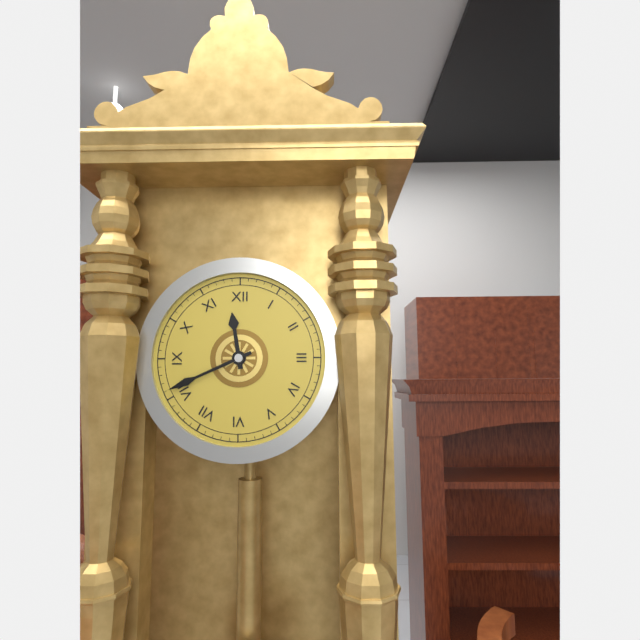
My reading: 11:41
